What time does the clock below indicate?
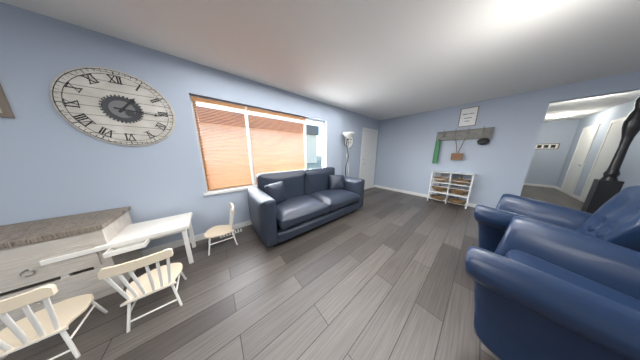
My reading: 1:16
